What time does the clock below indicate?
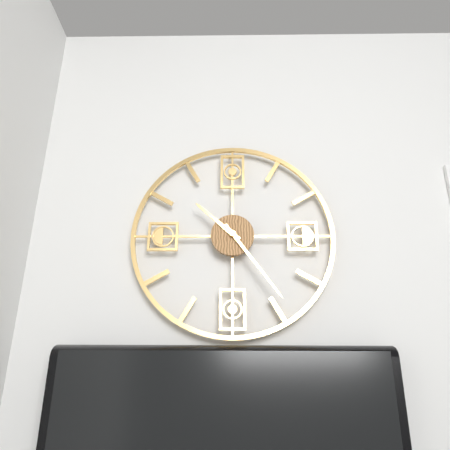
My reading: 10:24
